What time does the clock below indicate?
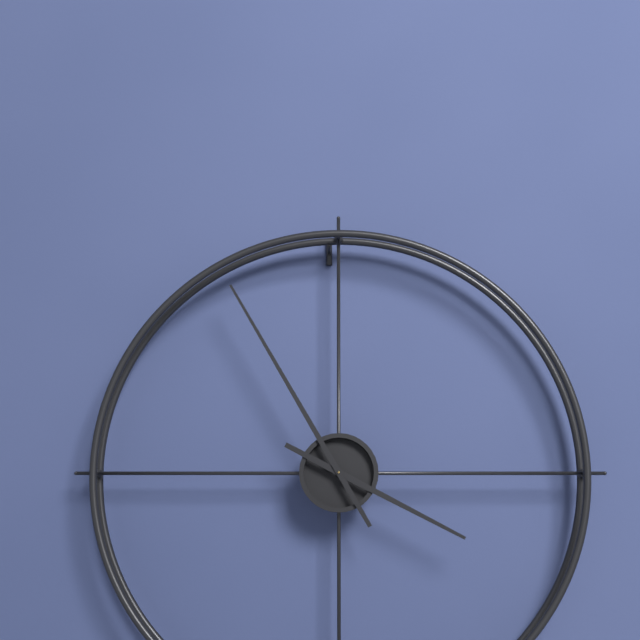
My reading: 3:55
